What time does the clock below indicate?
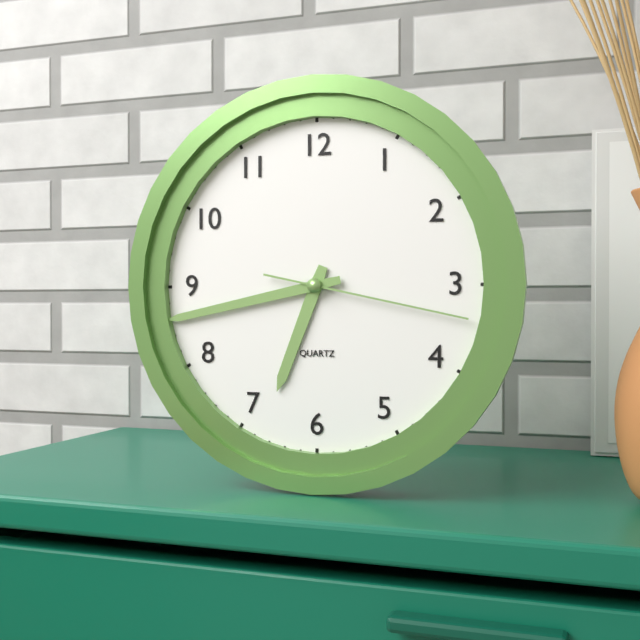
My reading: 6:43:17
